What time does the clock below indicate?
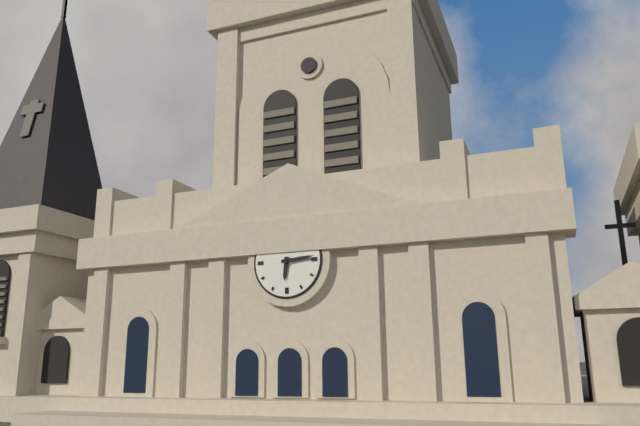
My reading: 6:14
